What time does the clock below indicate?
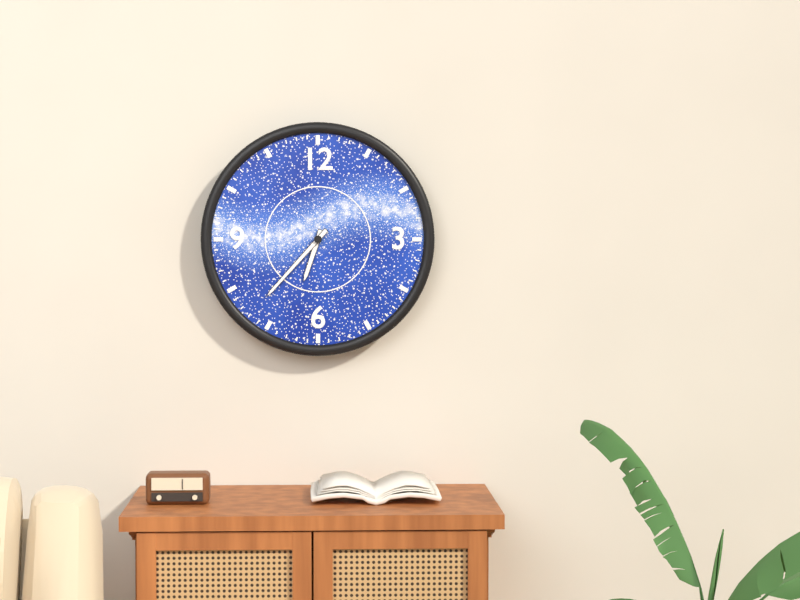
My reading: 6:37
